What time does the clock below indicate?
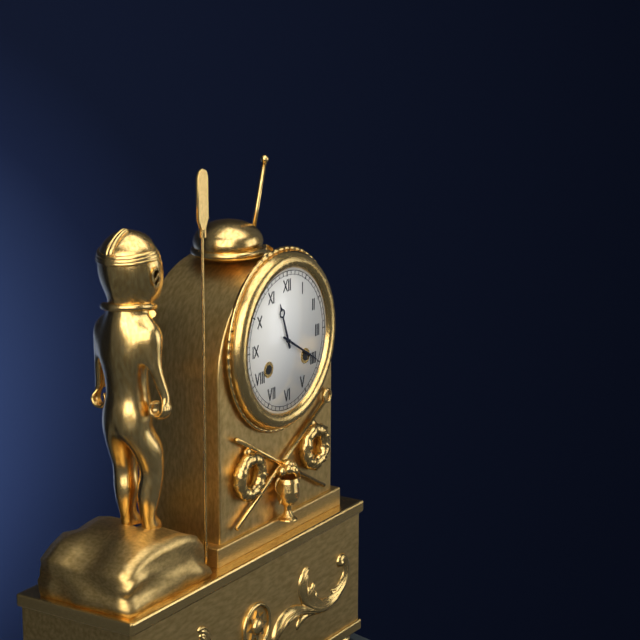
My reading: 11:20
